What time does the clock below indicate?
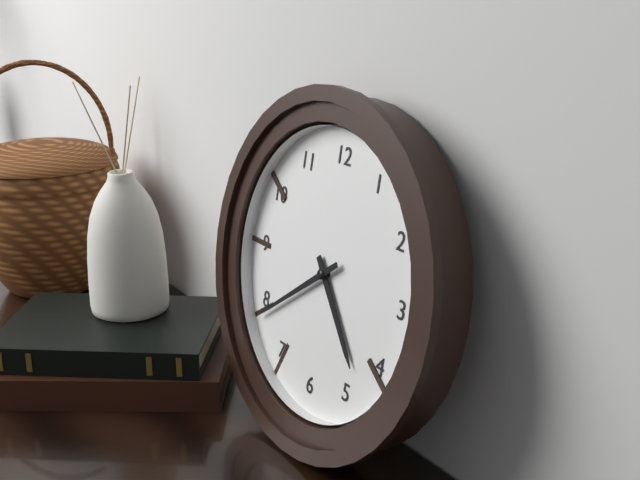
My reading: 4:39
